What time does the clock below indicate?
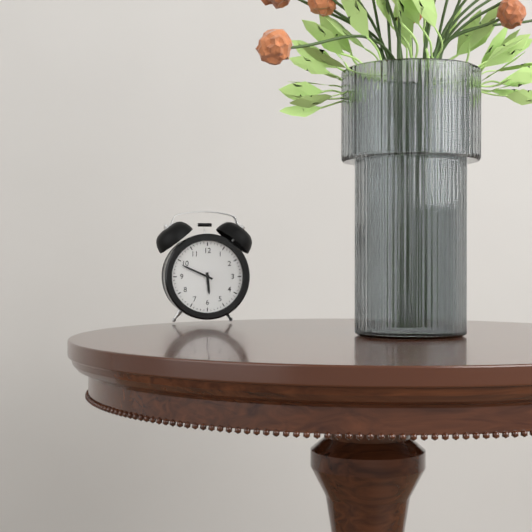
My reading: 5:49
